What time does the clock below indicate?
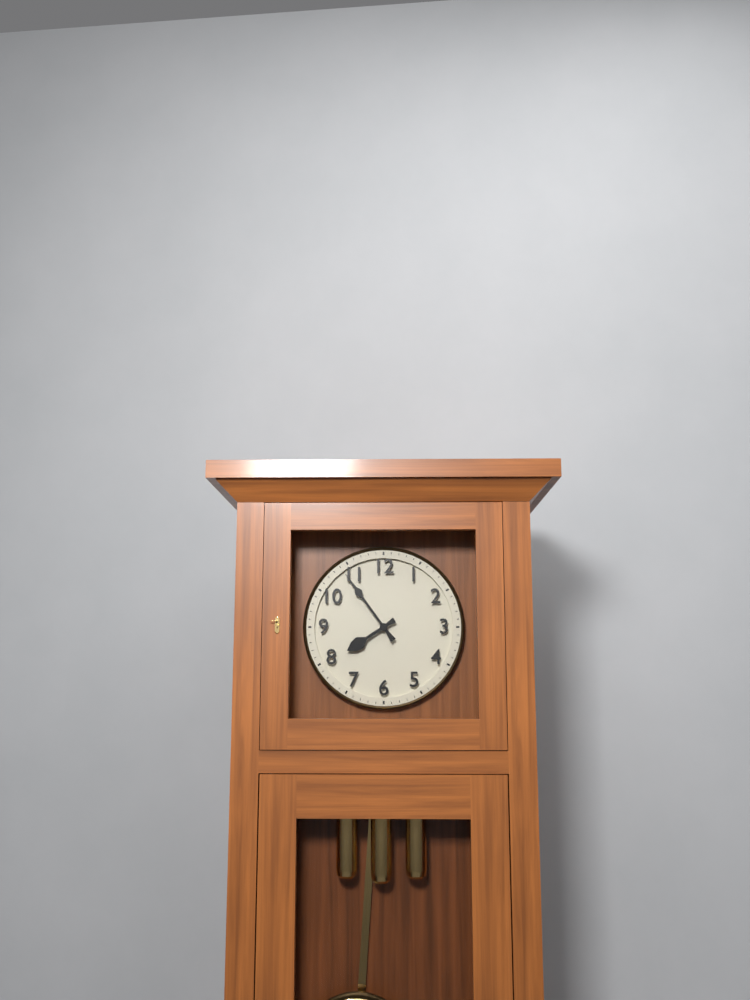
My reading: 7:54
